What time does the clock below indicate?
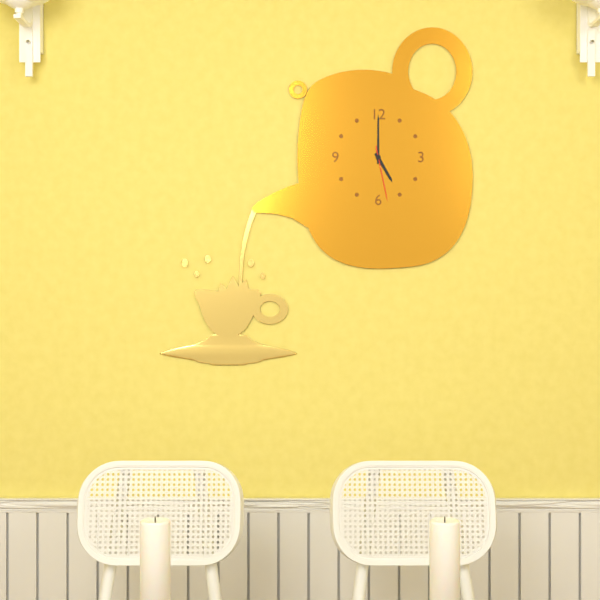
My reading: 5:00:28
